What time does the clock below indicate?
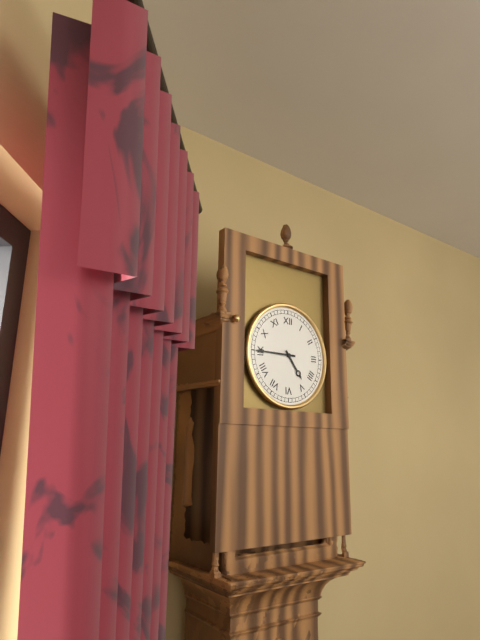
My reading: 4:45
